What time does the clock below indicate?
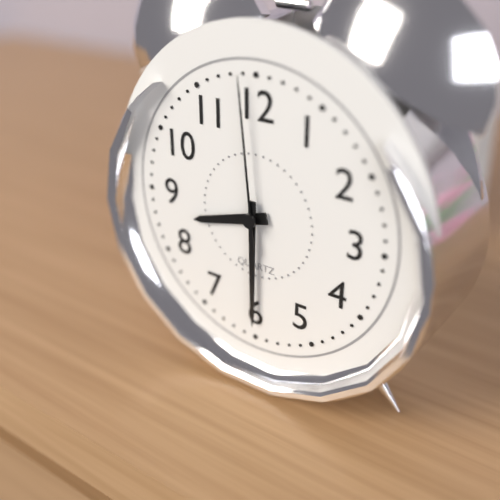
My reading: 8:30:59
